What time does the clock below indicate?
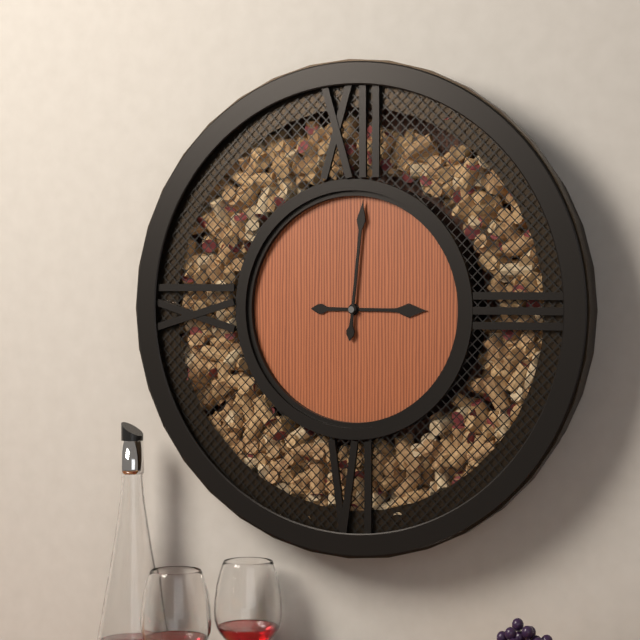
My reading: 3:01
